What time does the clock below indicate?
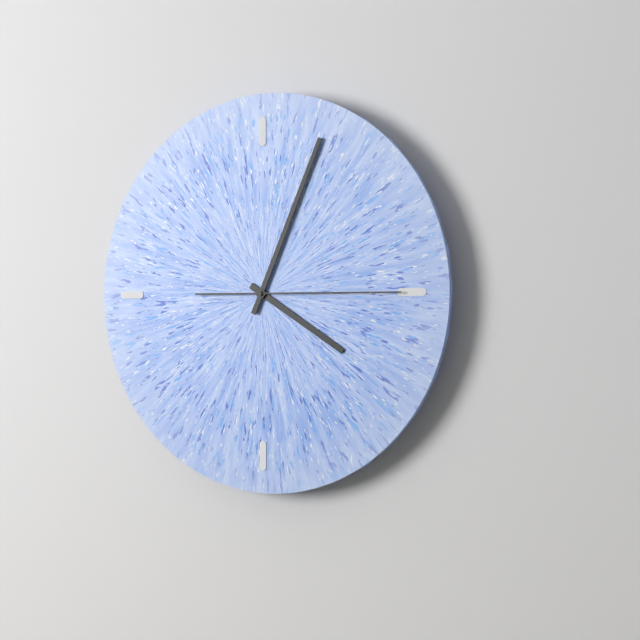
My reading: 4:04:15
